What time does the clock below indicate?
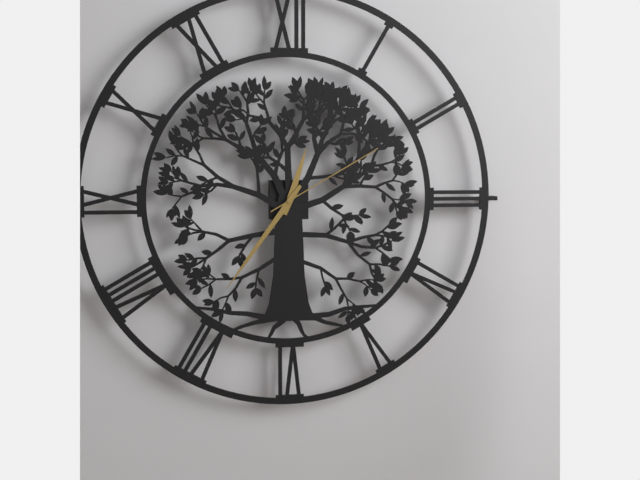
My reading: 12:36:10
